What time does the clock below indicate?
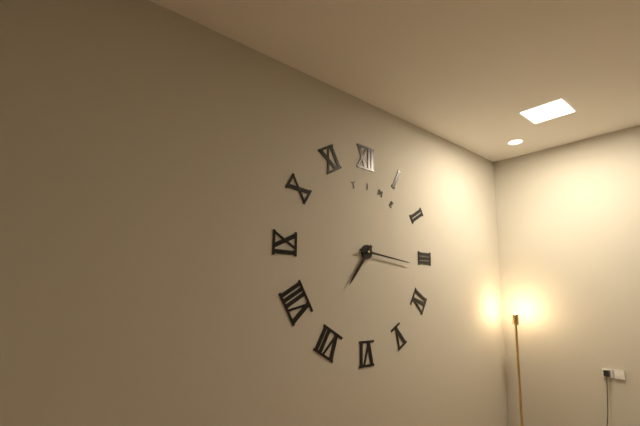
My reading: 7:16
